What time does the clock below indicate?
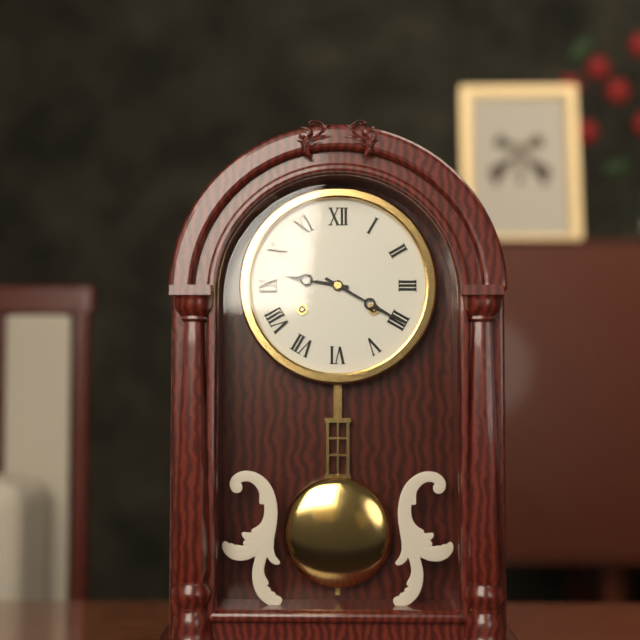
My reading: 9:20
